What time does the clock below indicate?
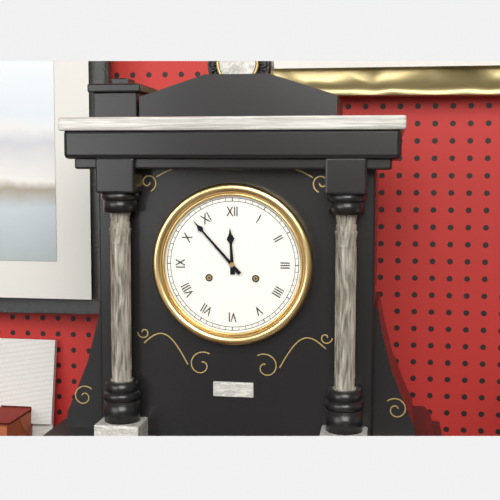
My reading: 11:53
